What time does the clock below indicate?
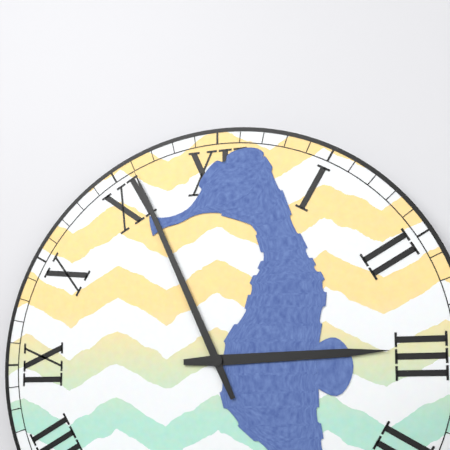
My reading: 2:56
